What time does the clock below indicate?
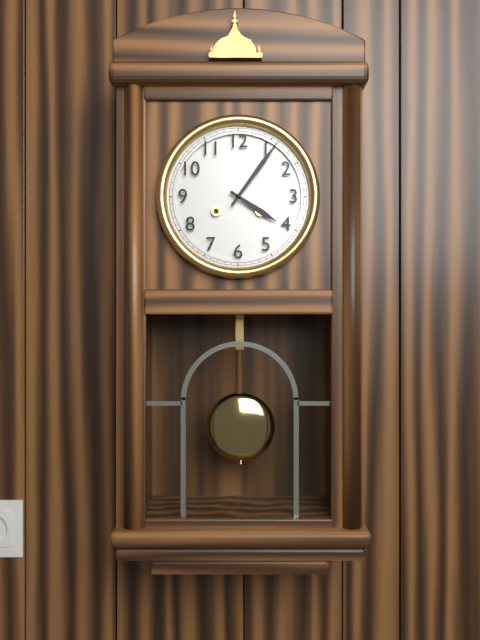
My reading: 4:06
